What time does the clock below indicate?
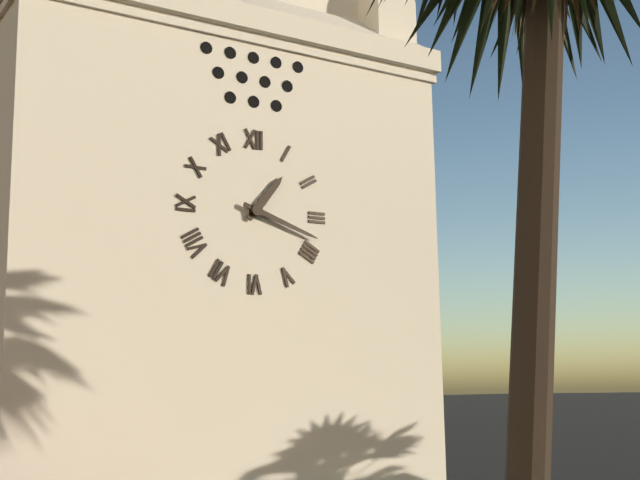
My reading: 1:18
